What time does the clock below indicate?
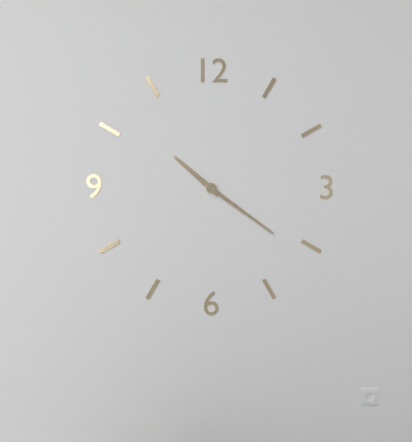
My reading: 10:21
